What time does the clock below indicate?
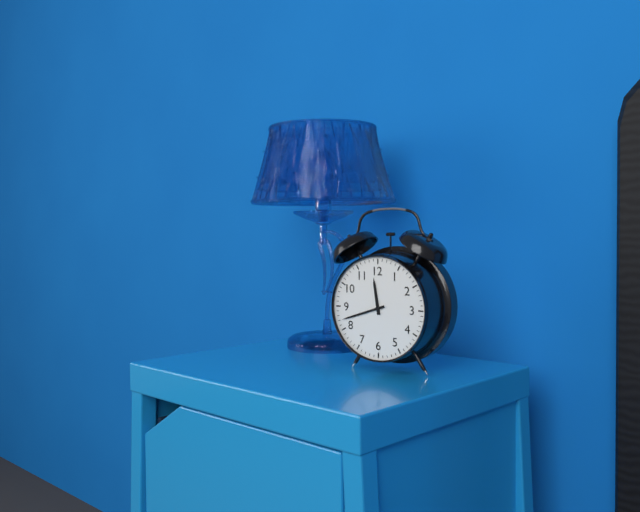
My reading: 11:42
